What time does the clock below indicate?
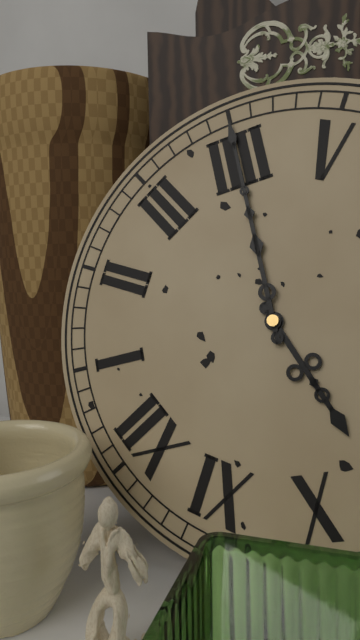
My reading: 9:20
